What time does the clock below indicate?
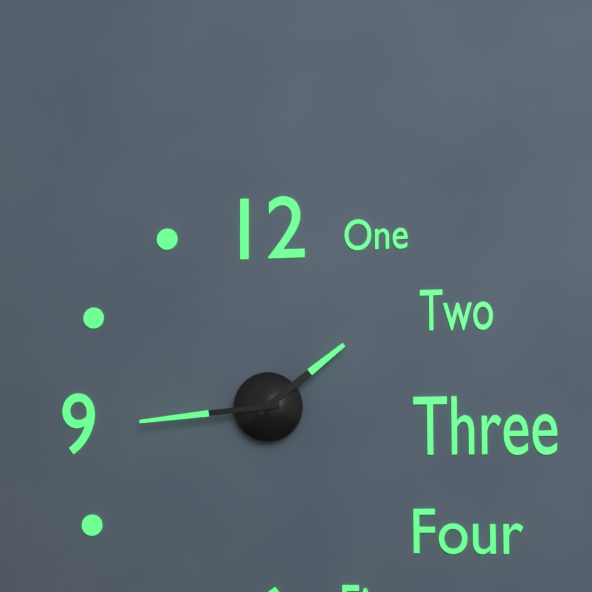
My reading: 1:44
